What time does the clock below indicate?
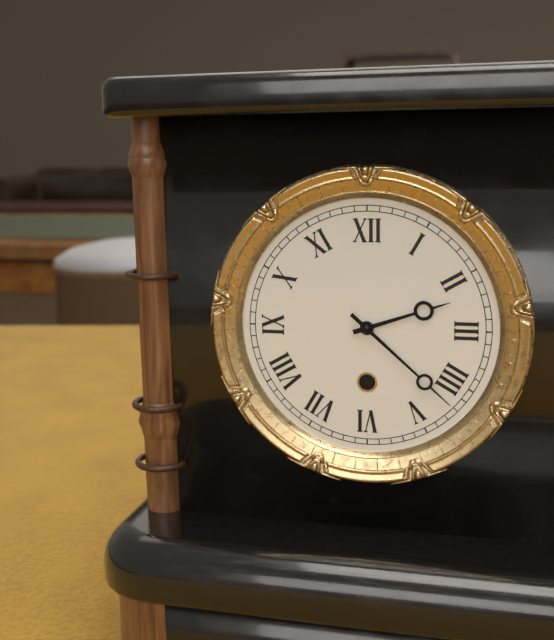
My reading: 2:22
